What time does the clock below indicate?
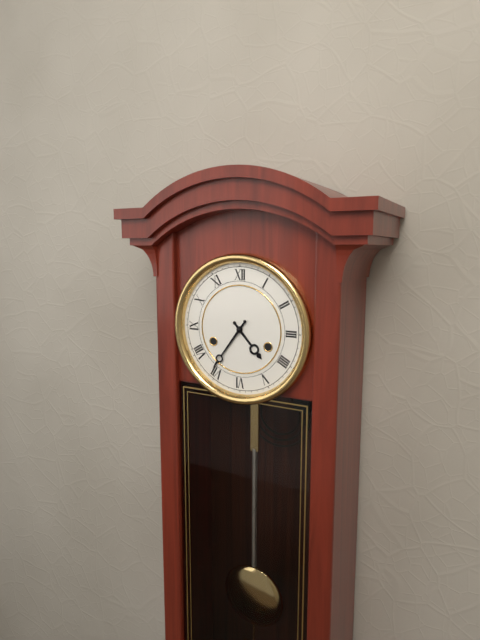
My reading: 4:36
